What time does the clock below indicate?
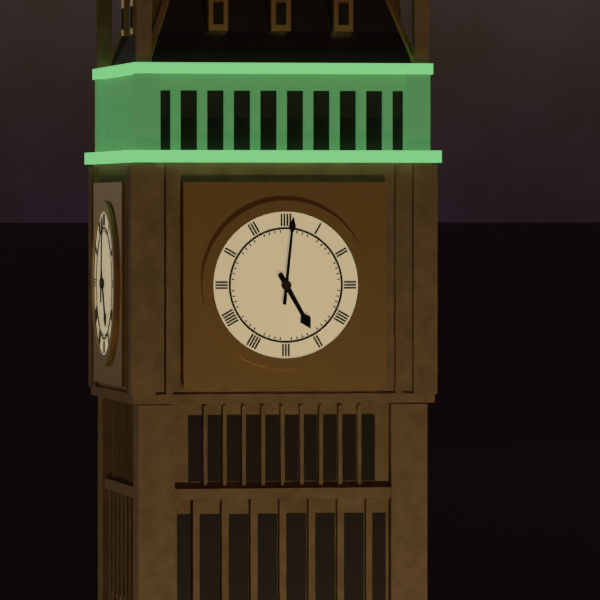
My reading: 5:01
